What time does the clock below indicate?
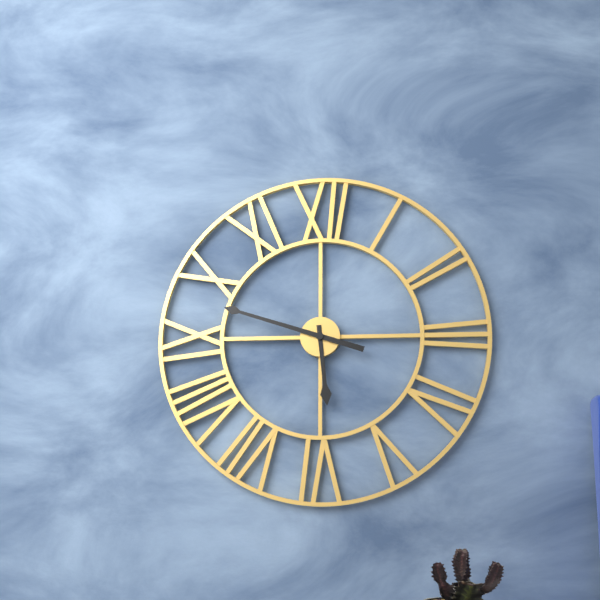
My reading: 5:48
